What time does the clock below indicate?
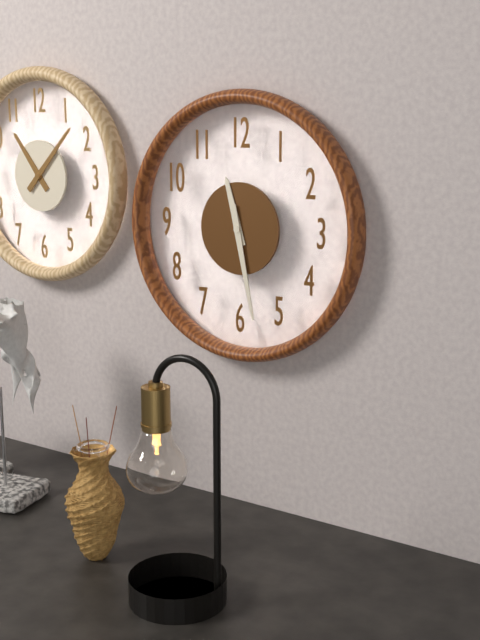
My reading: 11:28
